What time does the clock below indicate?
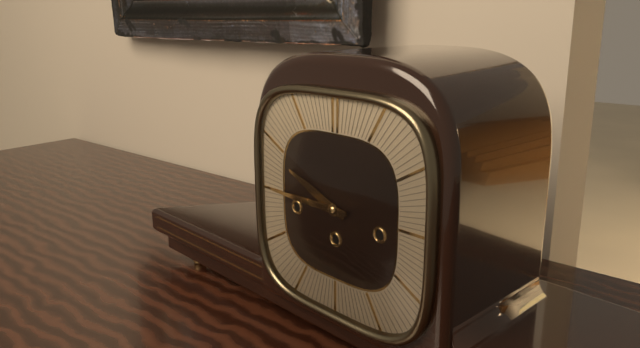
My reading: 9:45
